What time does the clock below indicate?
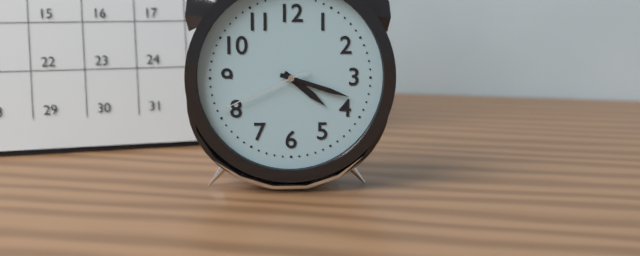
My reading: 4:18:41
